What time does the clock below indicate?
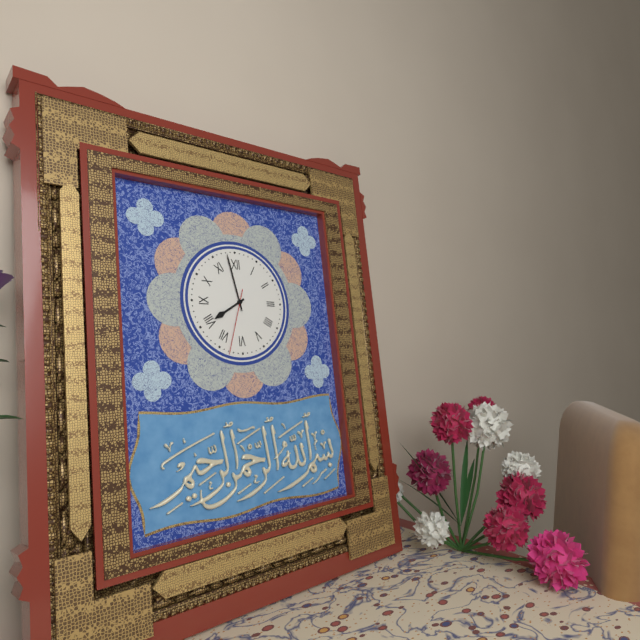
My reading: 7:58:33
